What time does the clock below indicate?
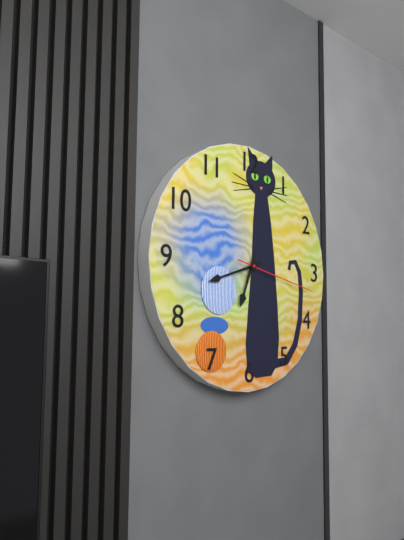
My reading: 6:42:17
